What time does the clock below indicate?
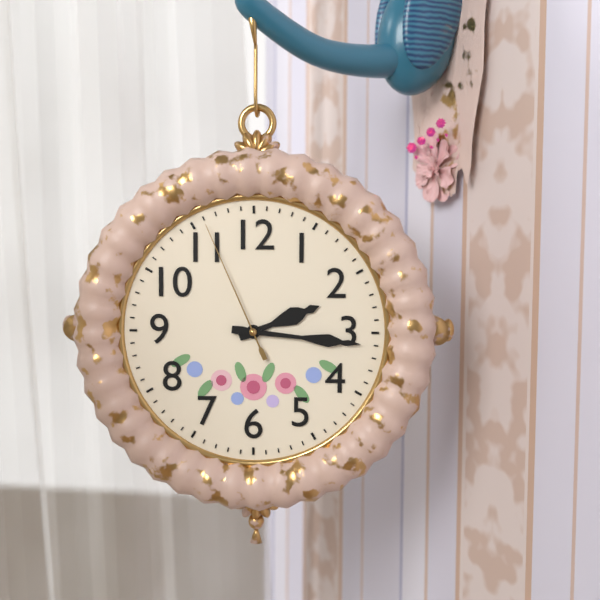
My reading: 2:16:56
